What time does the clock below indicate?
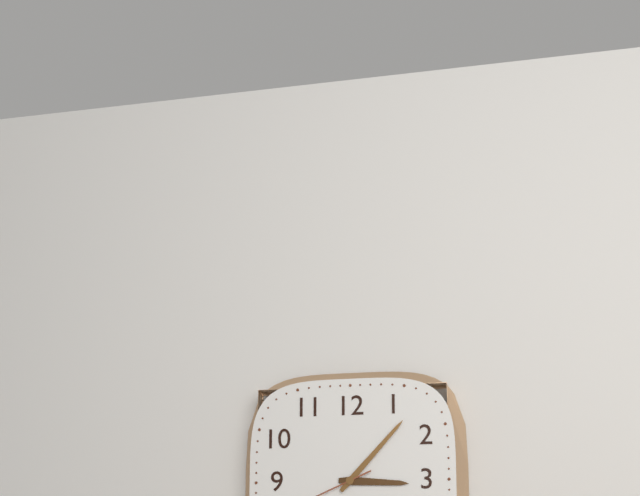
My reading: 3:07
